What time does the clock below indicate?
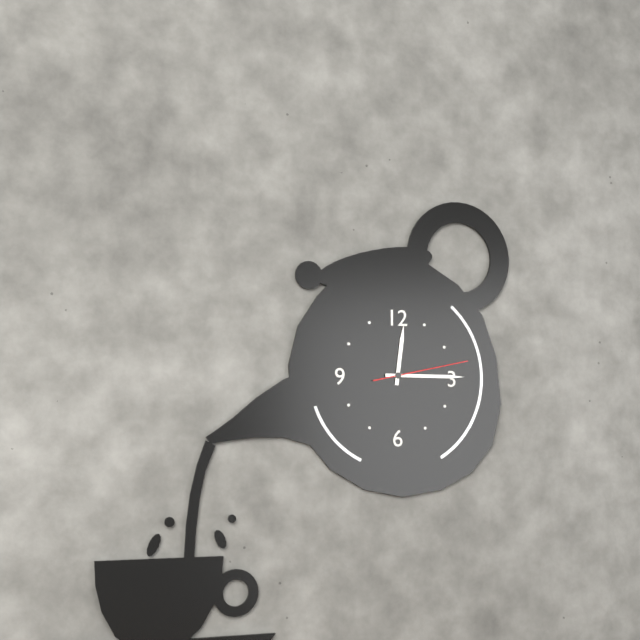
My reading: 12:15:13
